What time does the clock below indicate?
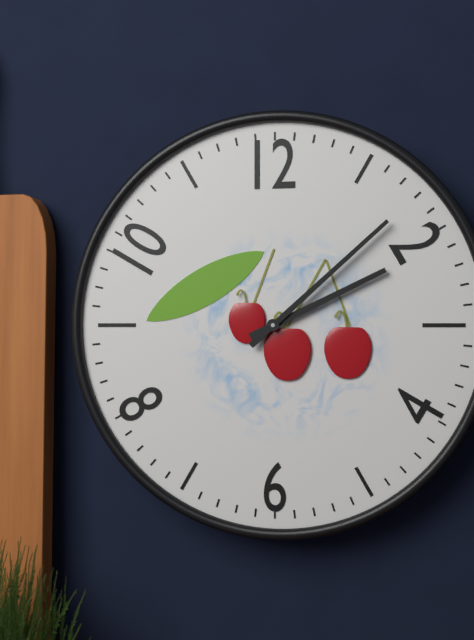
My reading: 2:08
